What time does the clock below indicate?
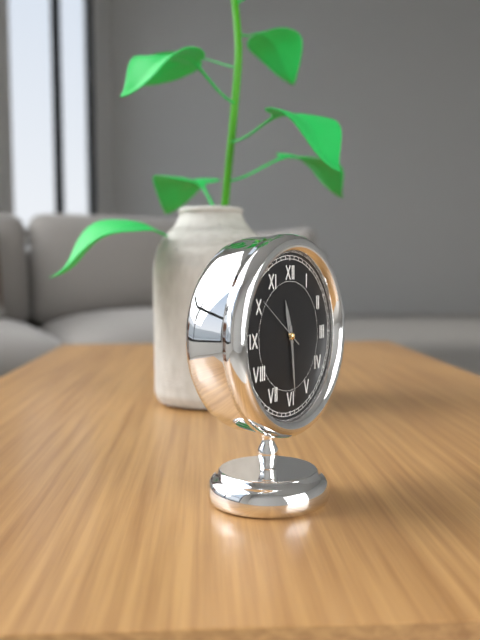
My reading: 11:29:51
